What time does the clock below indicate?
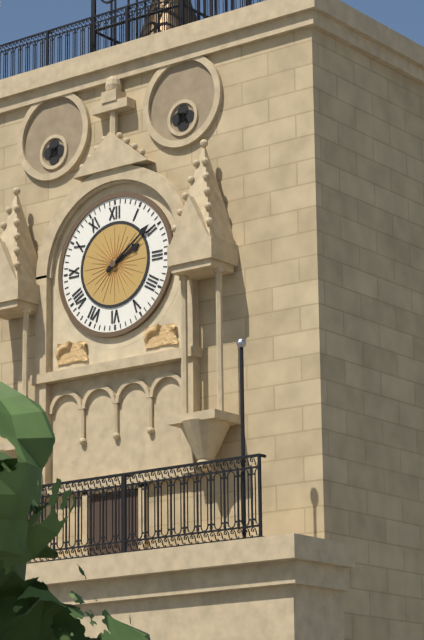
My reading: 2:09
